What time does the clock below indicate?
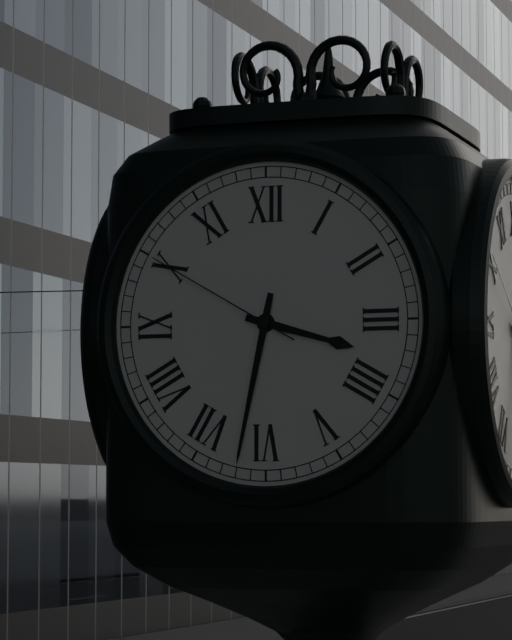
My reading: 3:32:50
